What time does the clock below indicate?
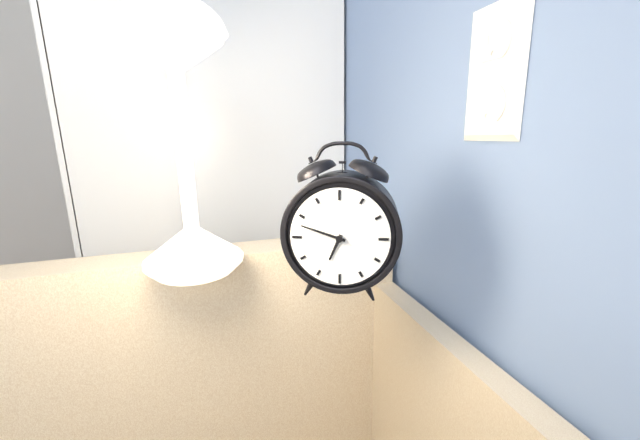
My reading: 6:48
